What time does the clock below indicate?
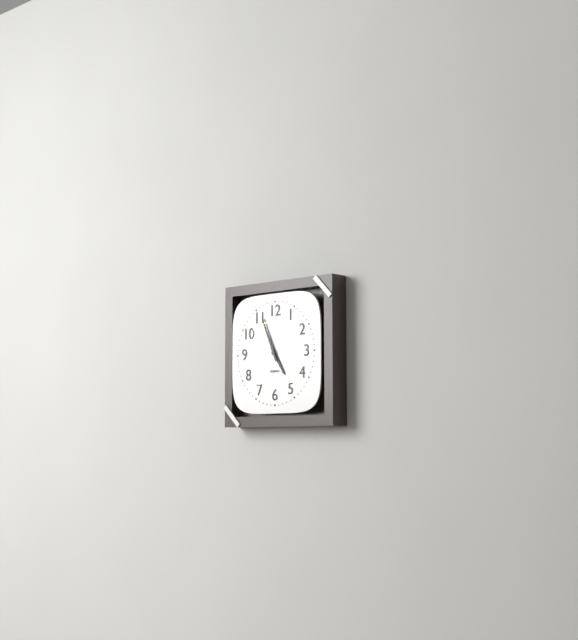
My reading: 4:56
